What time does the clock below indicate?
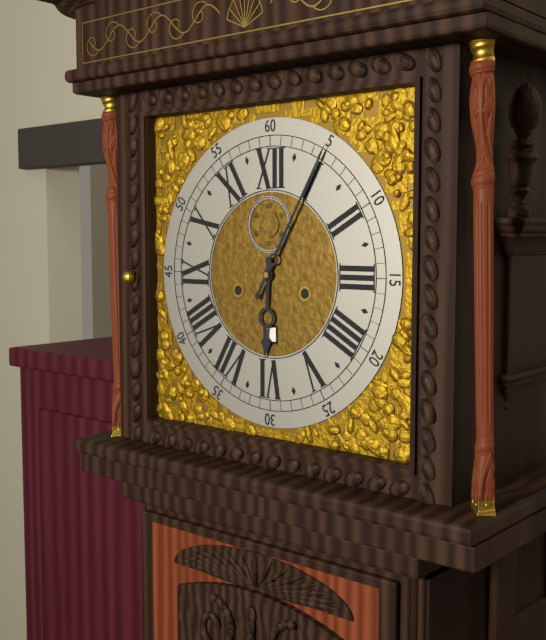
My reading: 6:05
